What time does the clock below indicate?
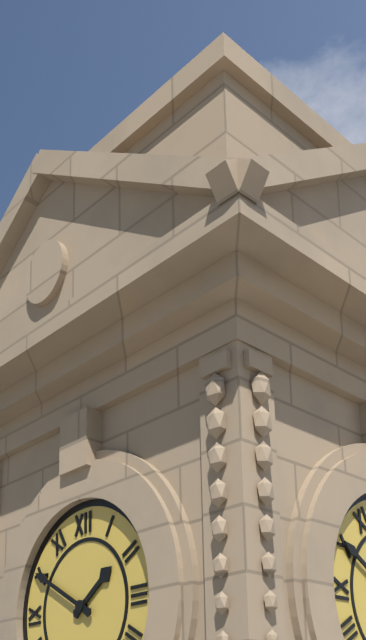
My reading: 1:50
